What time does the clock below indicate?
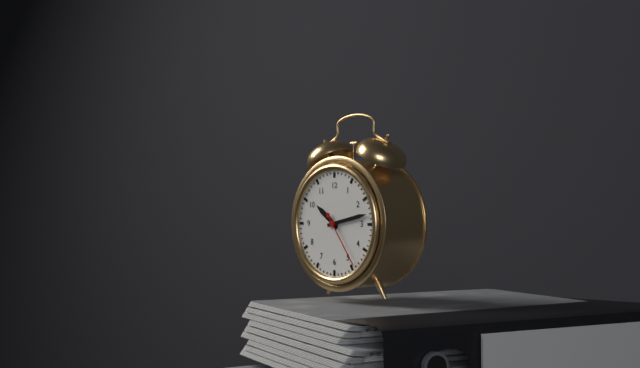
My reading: 10:13:24
